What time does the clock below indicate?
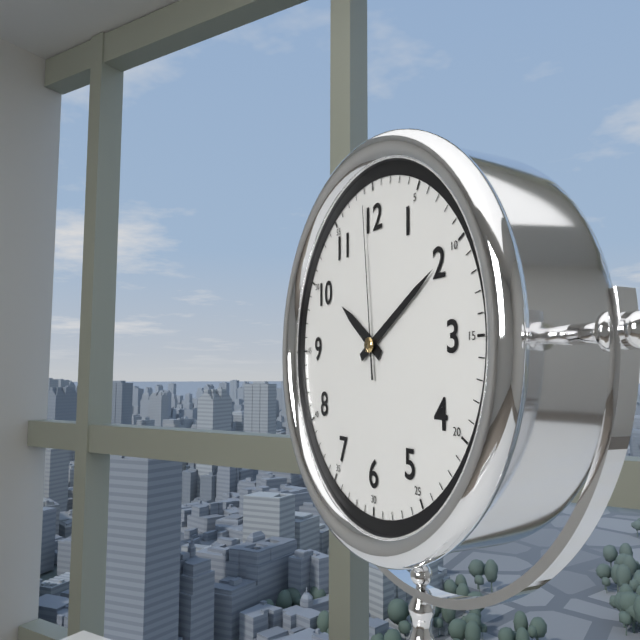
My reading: 10:10:59
